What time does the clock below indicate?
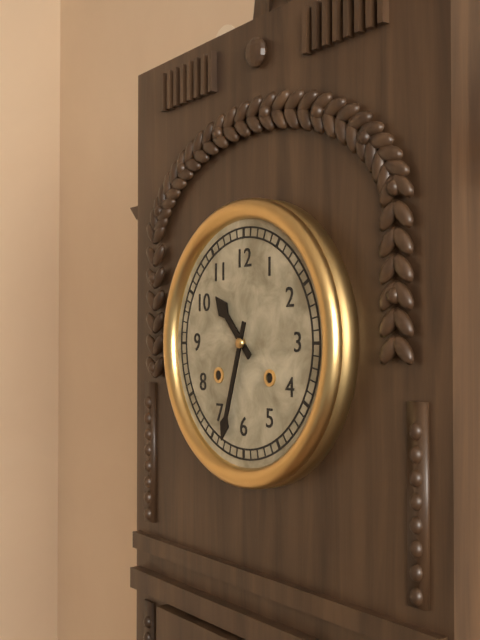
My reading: 10:33
